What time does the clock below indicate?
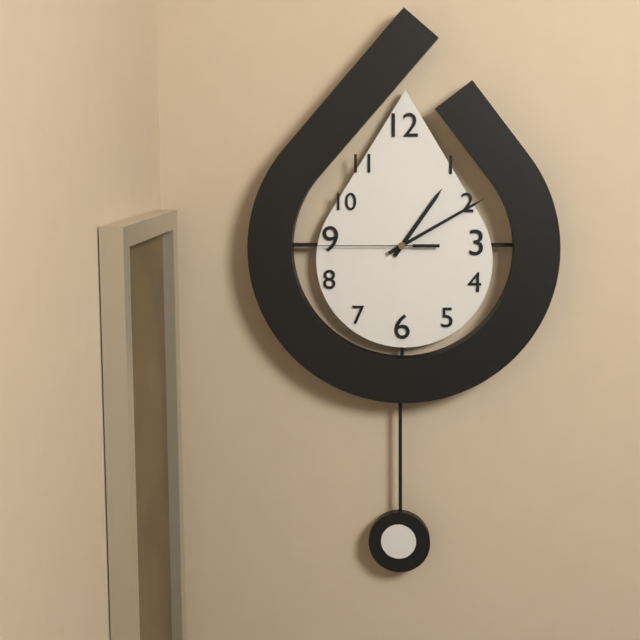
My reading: 1:10:45
